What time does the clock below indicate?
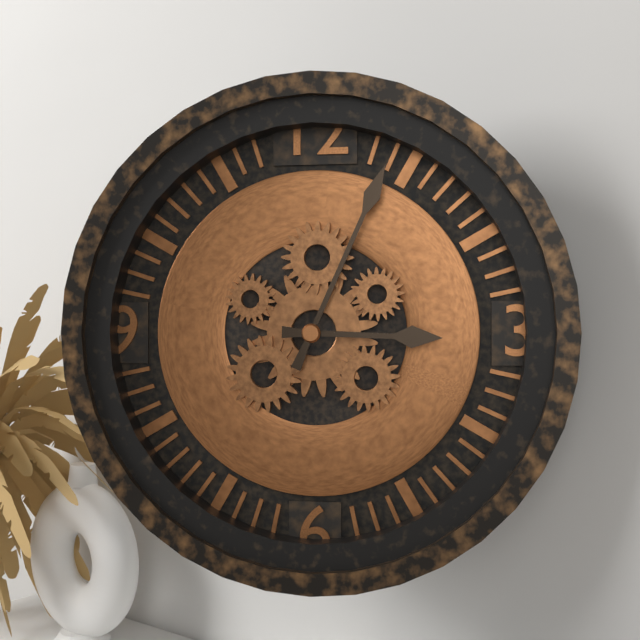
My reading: 3:04
